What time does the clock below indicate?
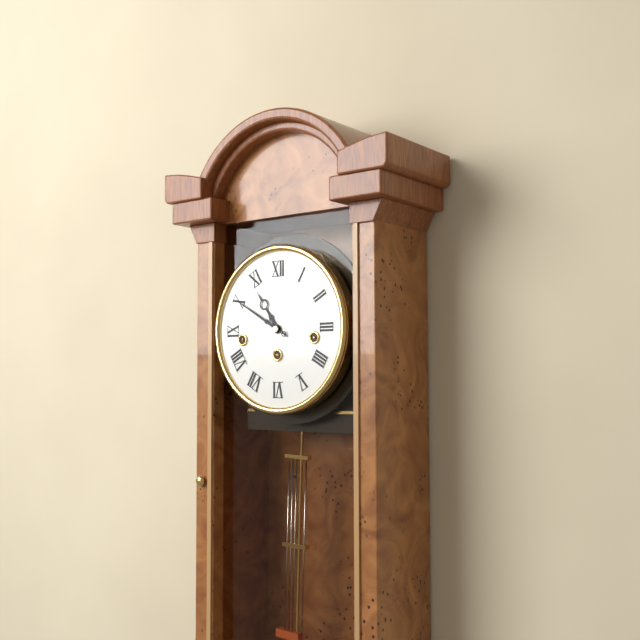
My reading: 10:50
